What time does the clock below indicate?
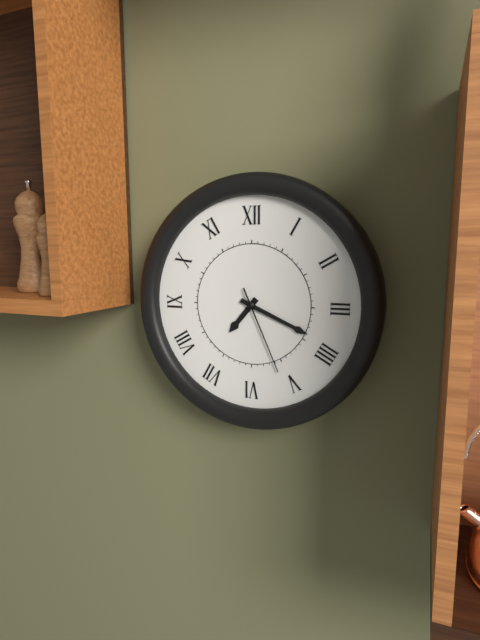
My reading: 7:19:26
